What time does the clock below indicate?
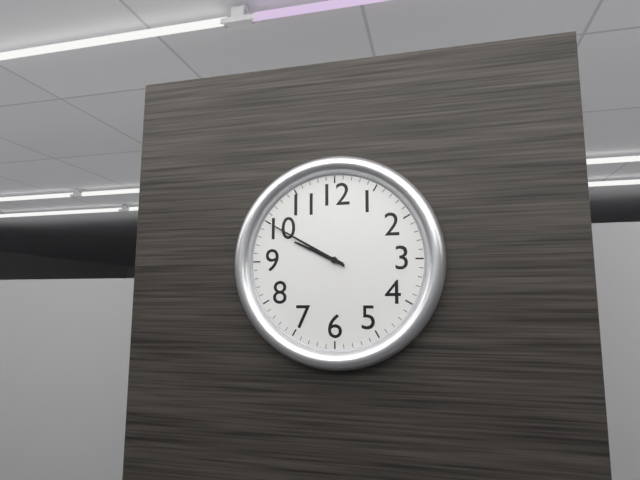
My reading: 9:50
